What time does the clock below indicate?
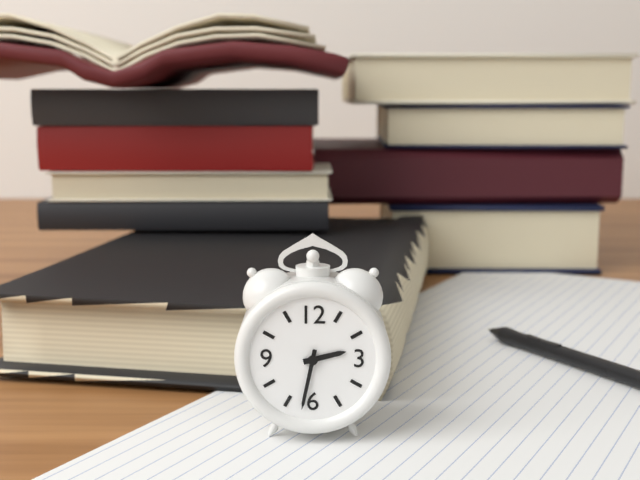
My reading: 2:32
